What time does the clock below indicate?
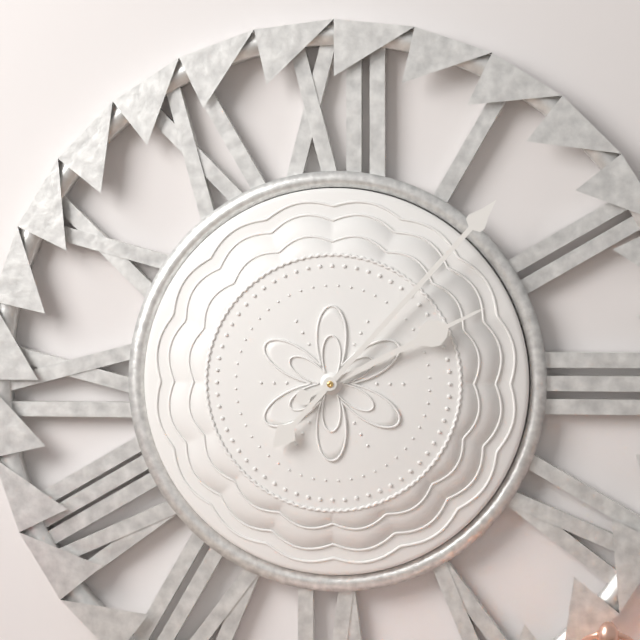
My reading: 2:07
